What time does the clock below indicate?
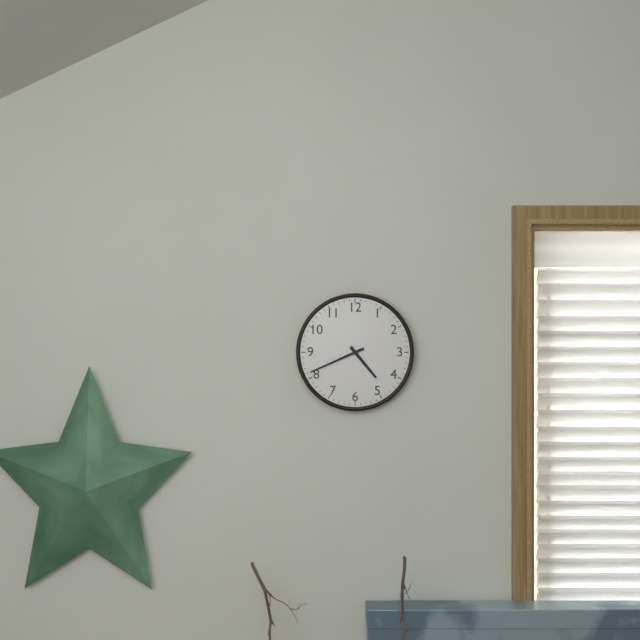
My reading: 4:41
